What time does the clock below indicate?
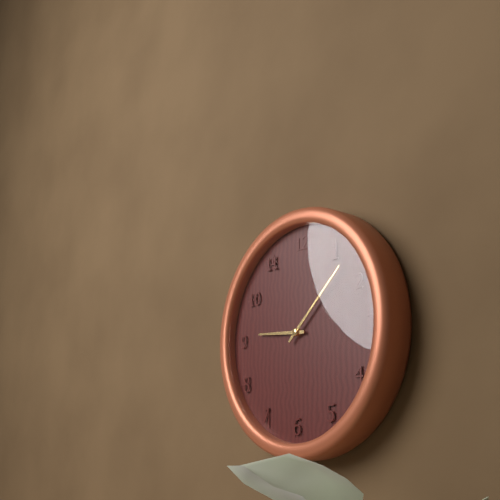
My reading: 9:08
